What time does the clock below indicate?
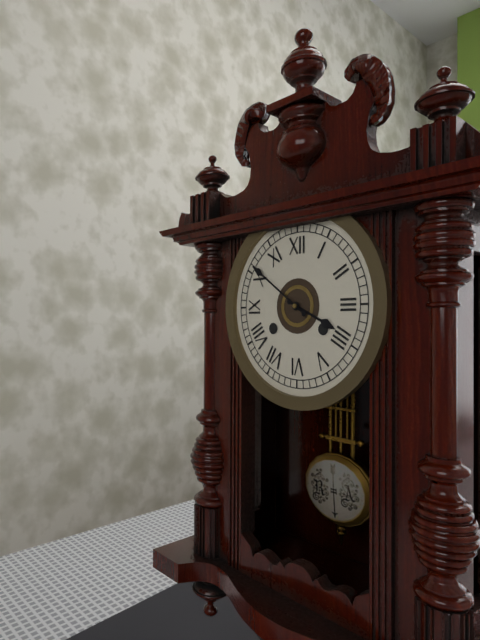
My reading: 3:51
